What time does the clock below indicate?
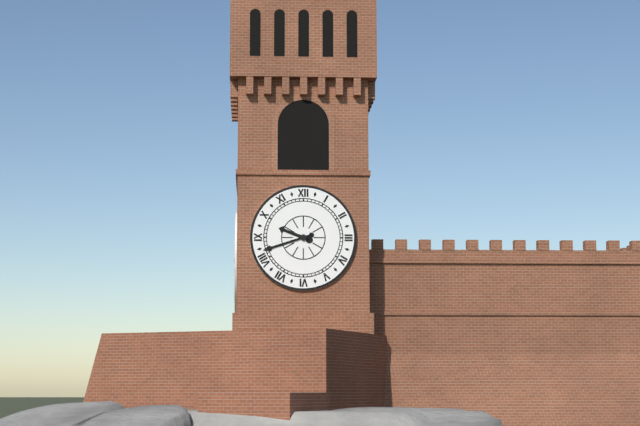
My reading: 9:42
